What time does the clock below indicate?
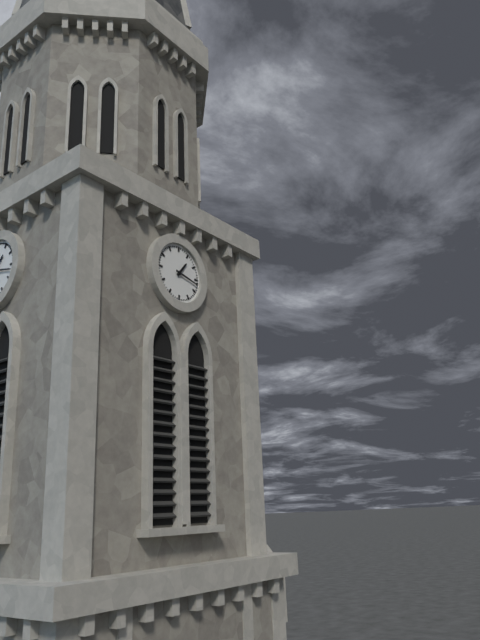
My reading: 1:17
